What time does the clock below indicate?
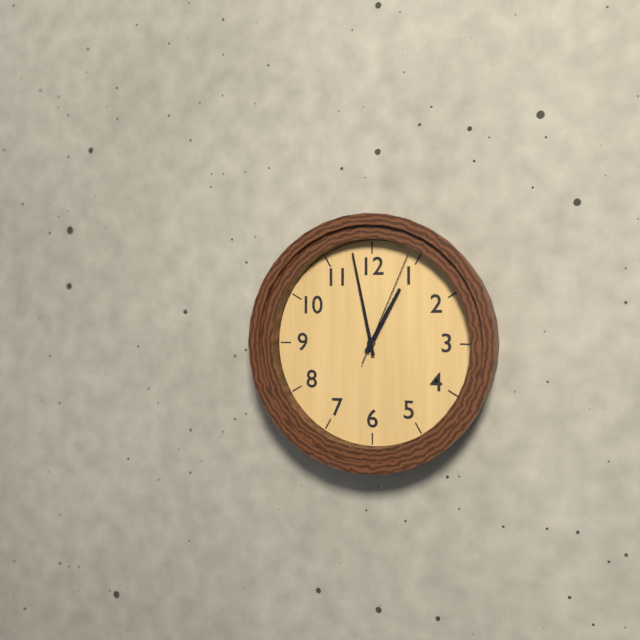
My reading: 12:58:04
